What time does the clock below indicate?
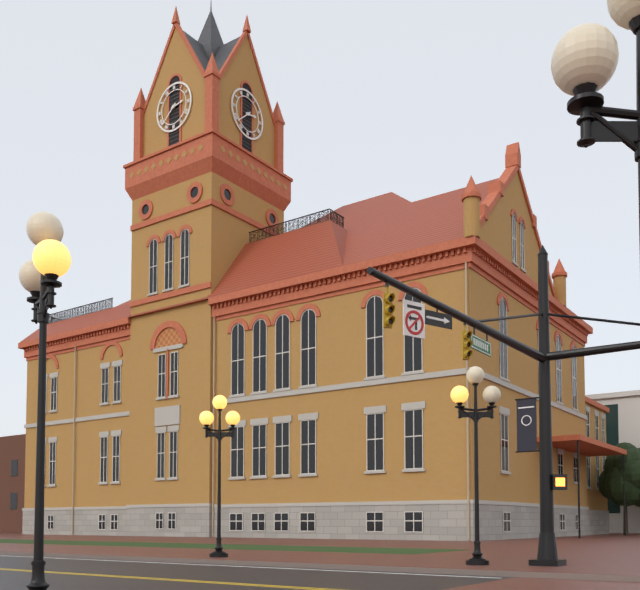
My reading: 2:38
